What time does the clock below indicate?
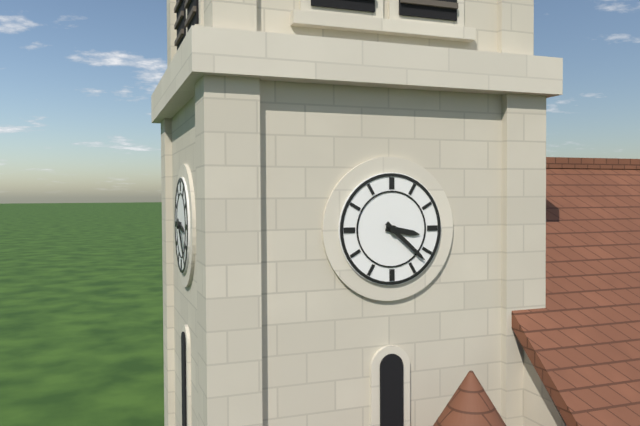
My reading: 3:22
